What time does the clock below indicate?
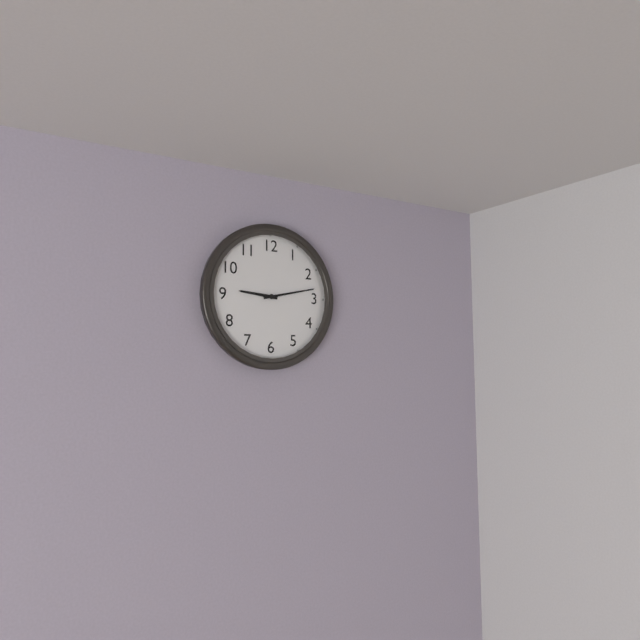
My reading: 9:13
